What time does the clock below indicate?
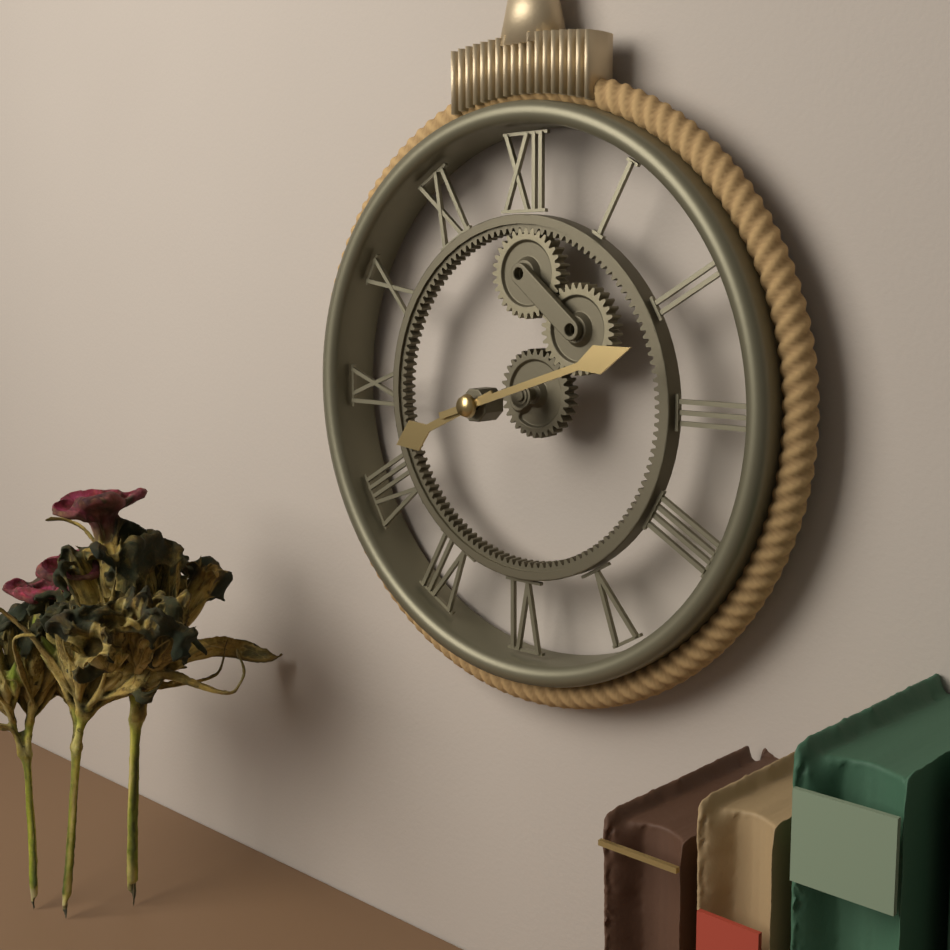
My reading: 8:12
